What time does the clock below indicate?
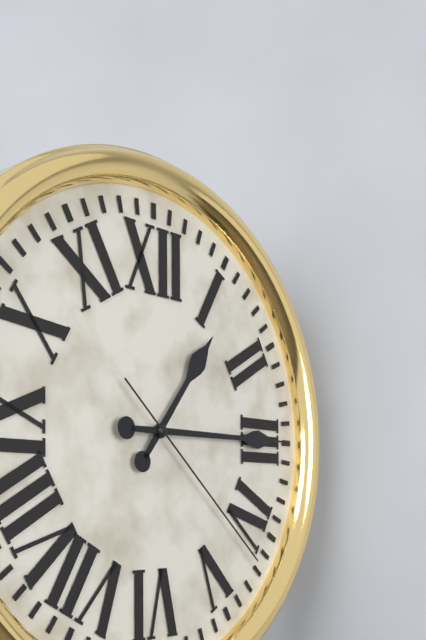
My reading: 1:15:22
